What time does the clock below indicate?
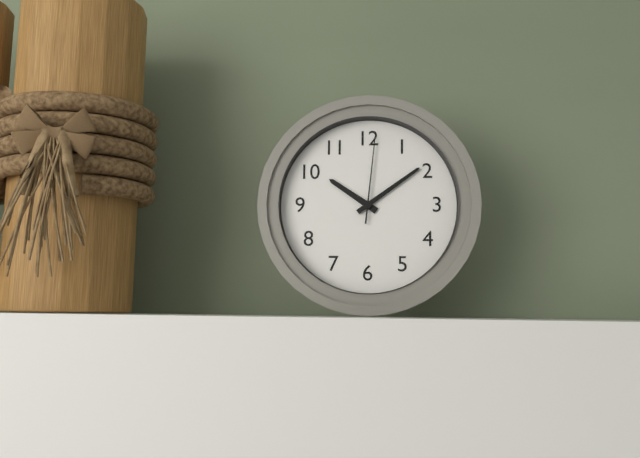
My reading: 10:09:01
